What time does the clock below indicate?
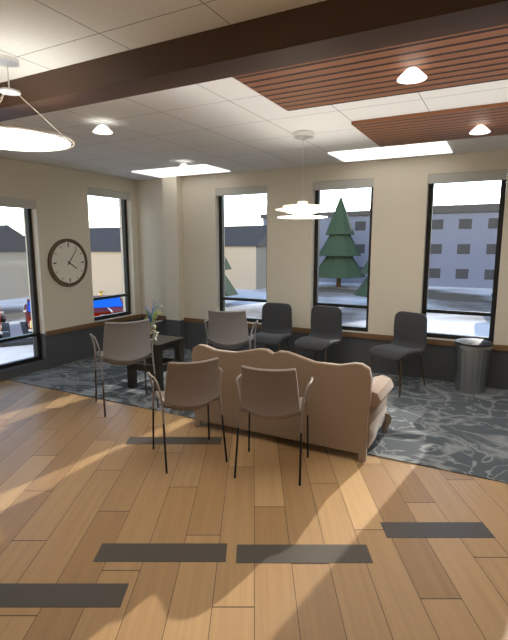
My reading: 4:06
